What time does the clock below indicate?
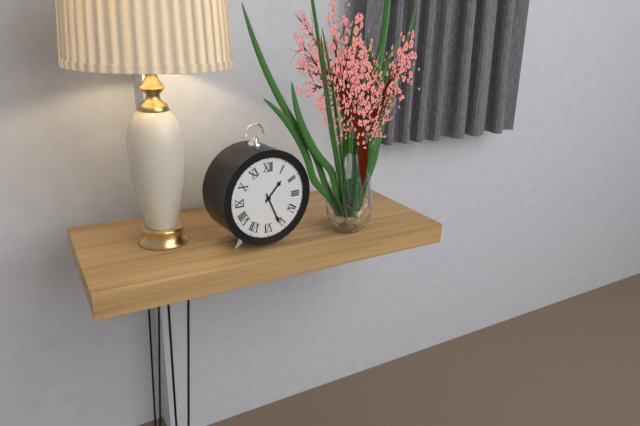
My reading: 1:26
